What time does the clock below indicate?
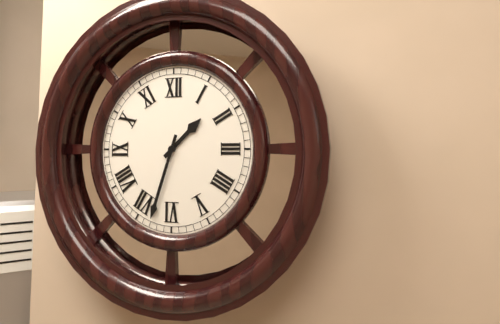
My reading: 1:33
